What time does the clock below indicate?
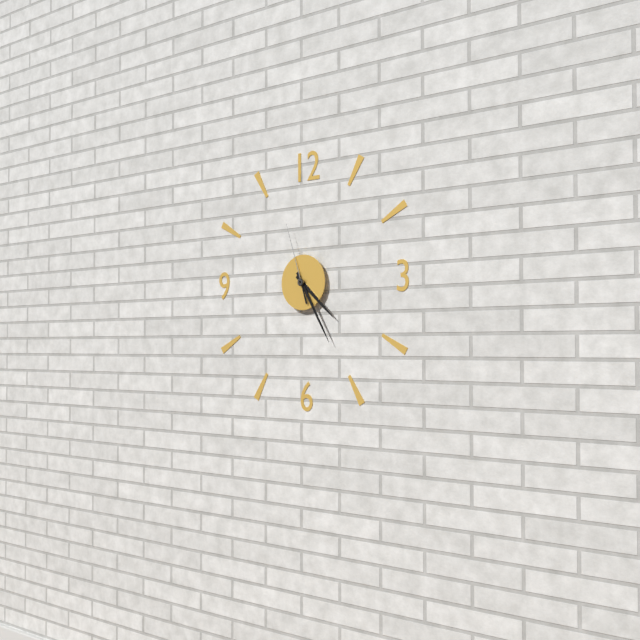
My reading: 4:25:57
